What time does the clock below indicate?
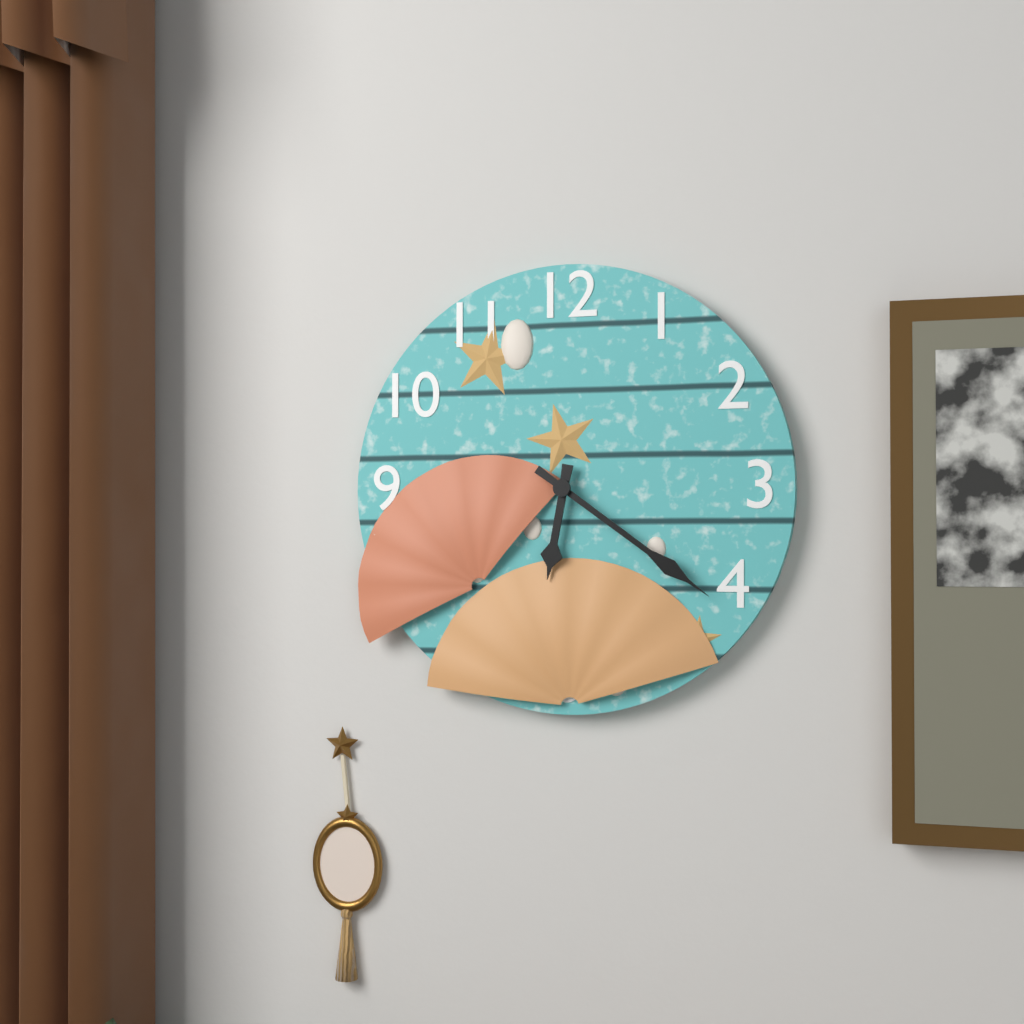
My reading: 6:21
